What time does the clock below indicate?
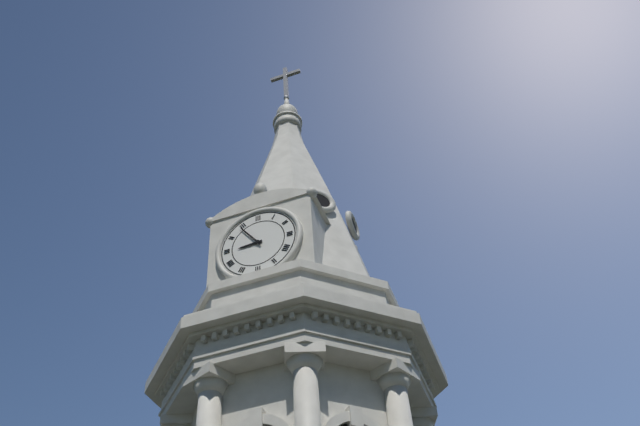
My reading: 8:54
